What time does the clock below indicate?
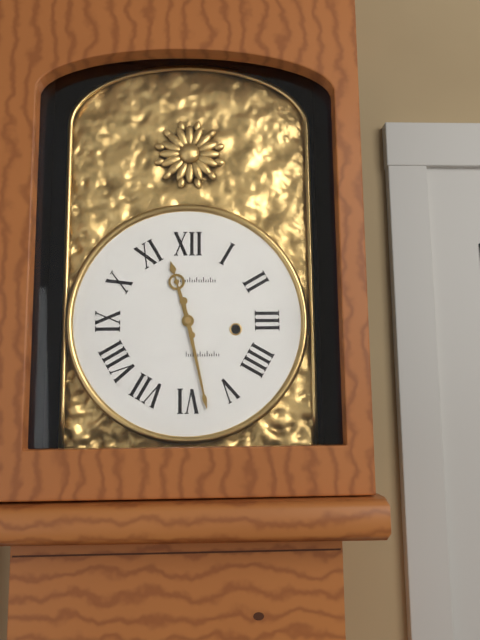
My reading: 11:28
